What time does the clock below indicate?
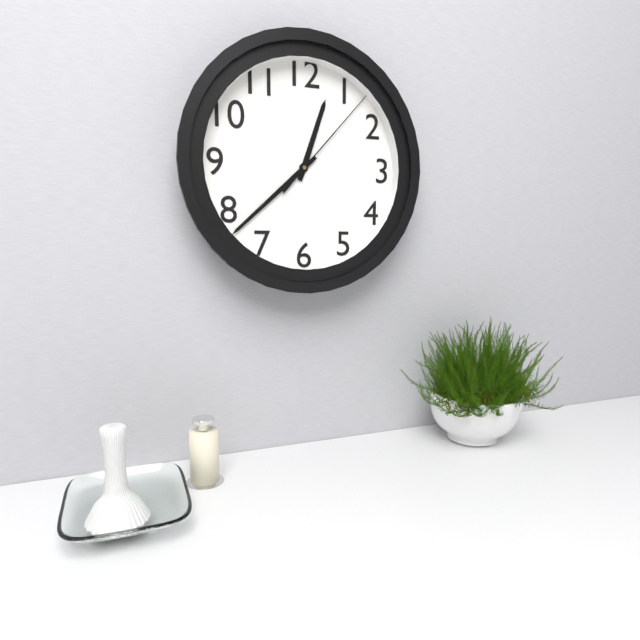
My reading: 12:38:07
